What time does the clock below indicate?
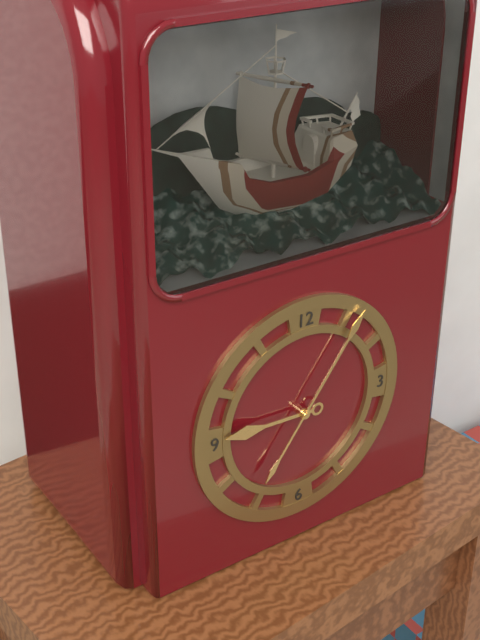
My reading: 9:06
